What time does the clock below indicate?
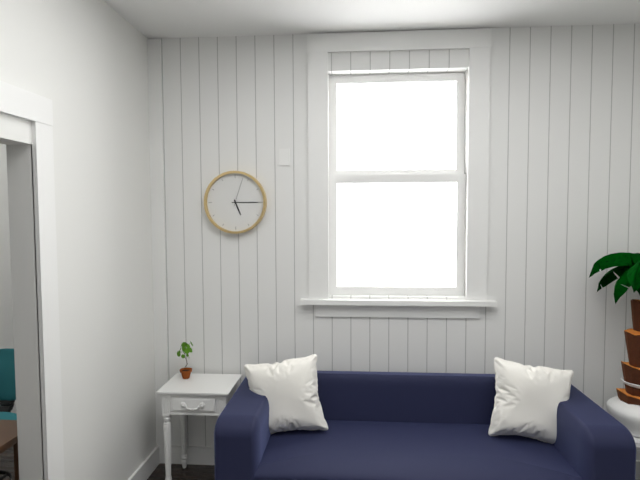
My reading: 5:15
